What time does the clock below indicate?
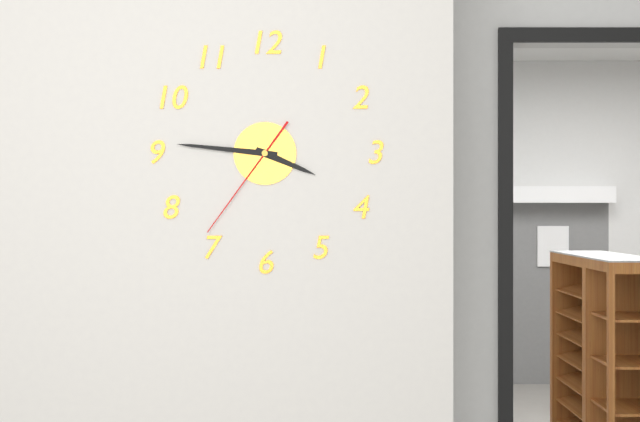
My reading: 3:46:36
